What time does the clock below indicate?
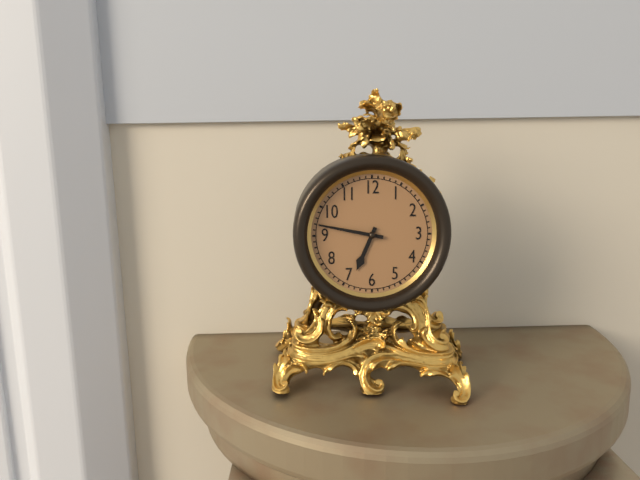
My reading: 6:47
